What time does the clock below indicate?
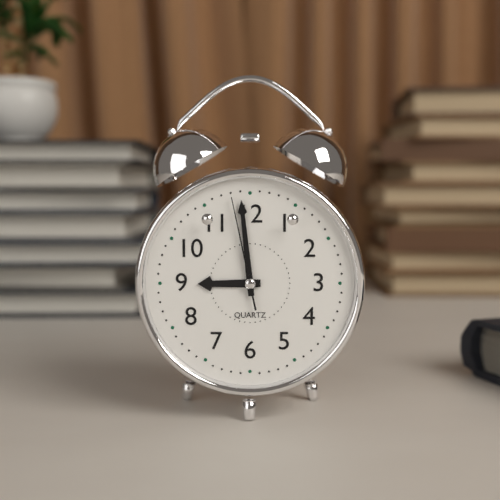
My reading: 8:59:58
